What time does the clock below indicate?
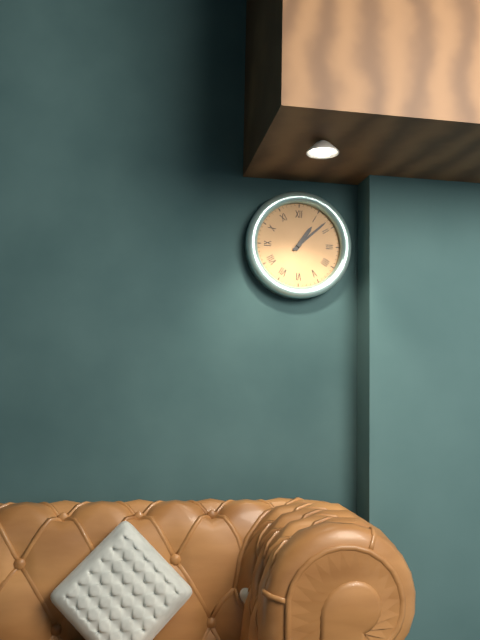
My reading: 1:08
